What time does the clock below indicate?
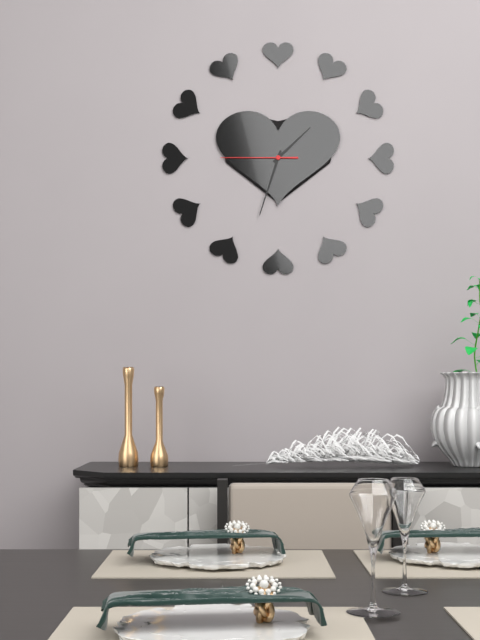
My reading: 1:33:45
